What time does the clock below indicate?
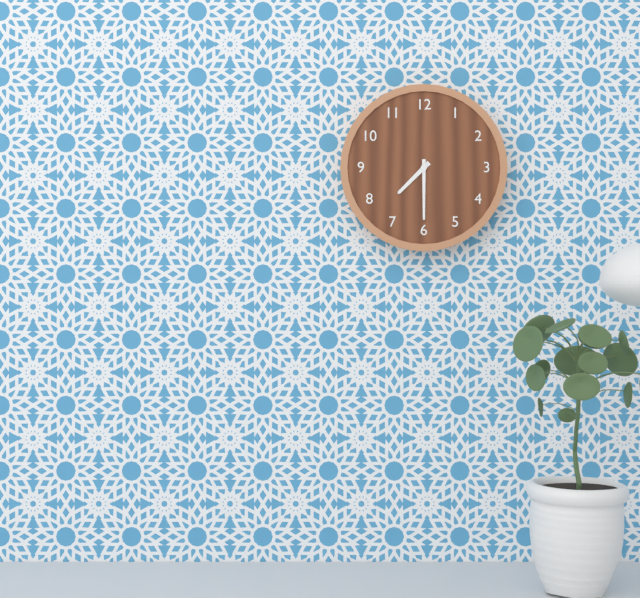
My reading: 7:30
